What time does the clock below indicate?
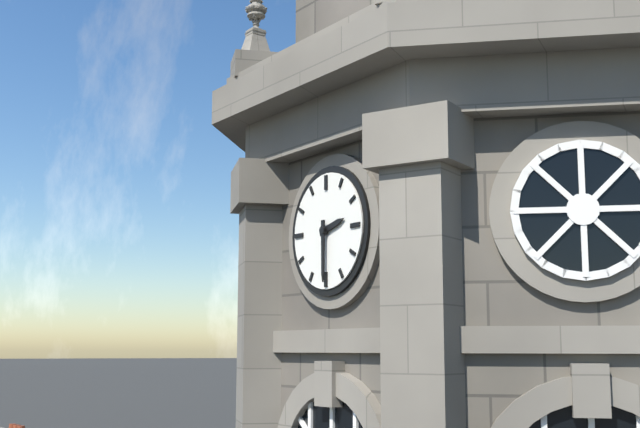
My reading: 2:30
